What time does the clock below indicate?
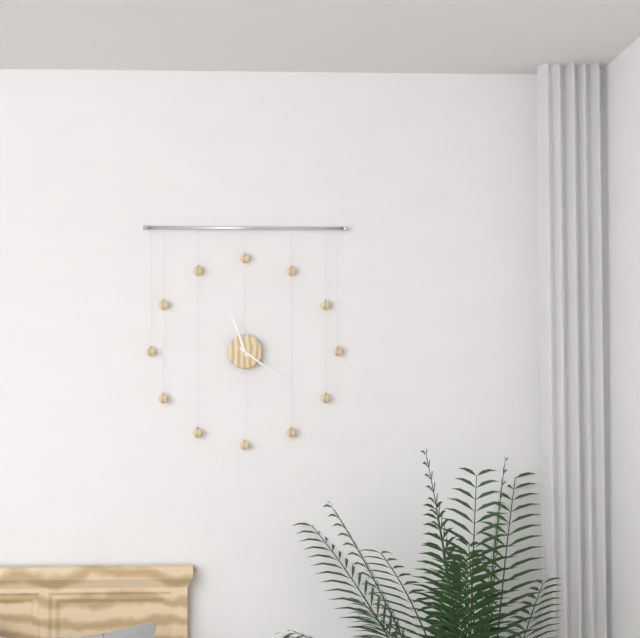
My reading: 11:21
